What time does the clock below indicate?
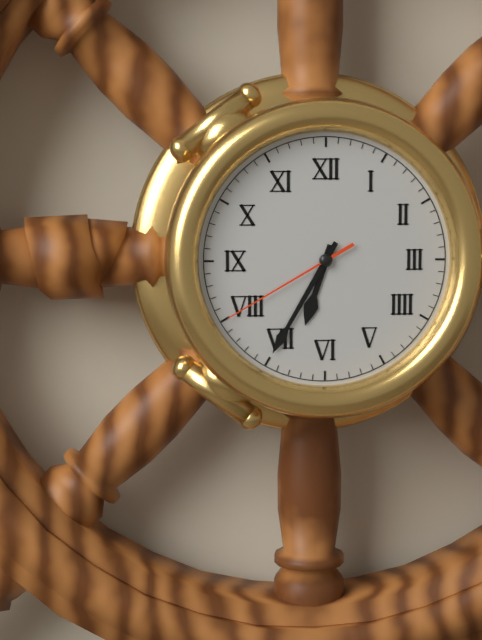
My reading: 6:35:40
